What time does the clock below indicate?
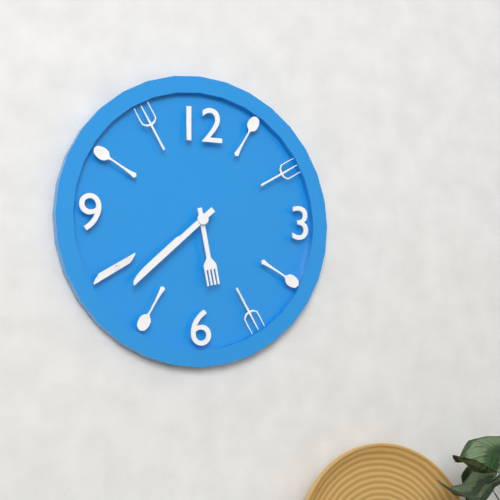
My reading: 5:38
